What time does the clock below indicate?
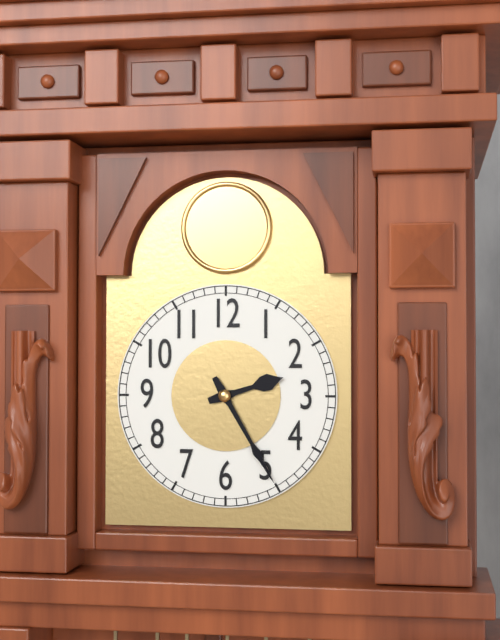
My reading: 2:25
